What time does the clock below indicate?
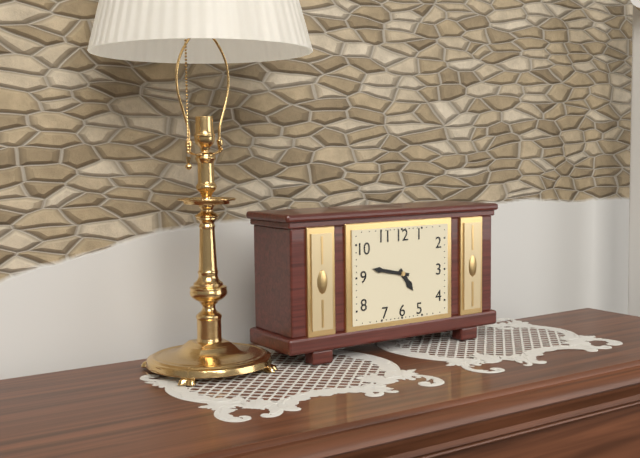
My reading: 4:47
